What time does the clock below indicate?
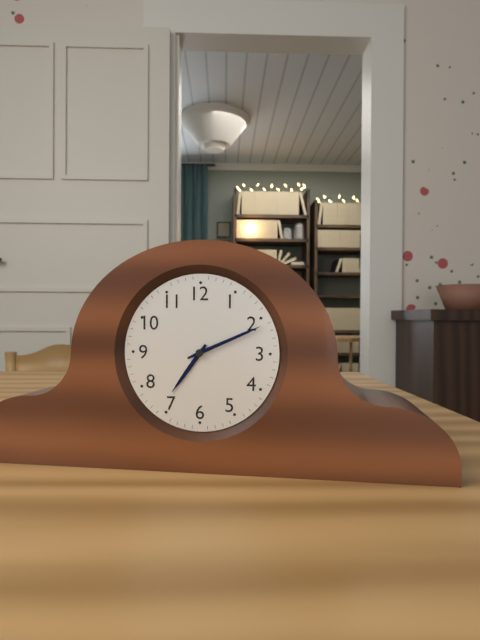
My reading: 7:11
